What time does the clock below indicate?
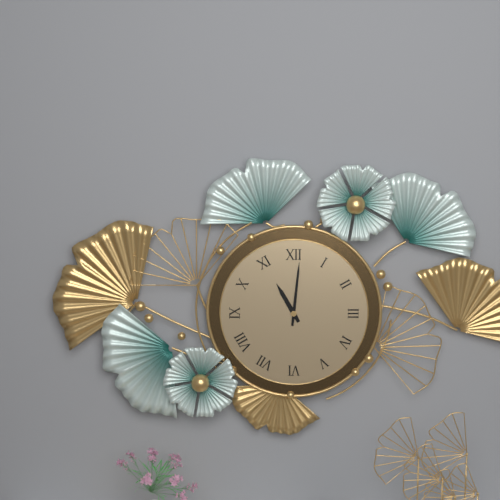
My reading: 11:01
